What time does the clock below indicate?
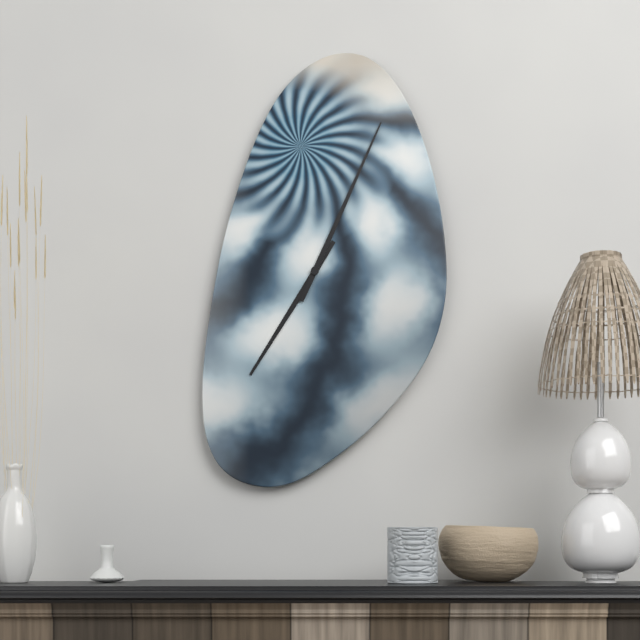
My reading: 7:04
